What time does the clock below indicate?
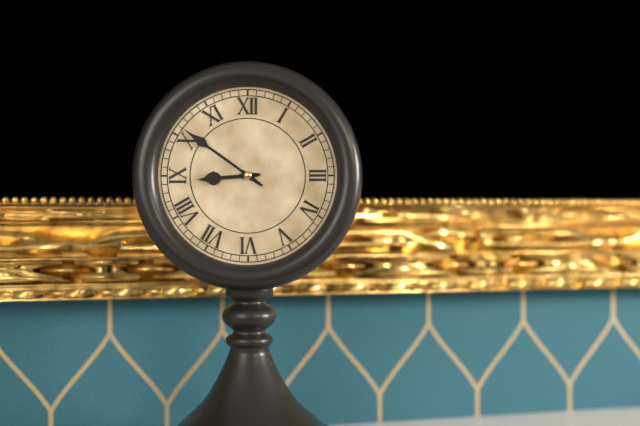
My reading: 8:51
